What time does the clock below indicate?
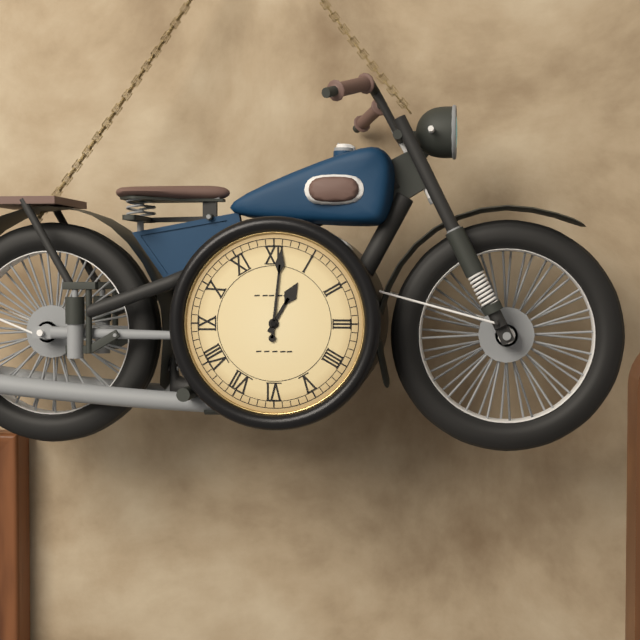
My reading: 1:01
